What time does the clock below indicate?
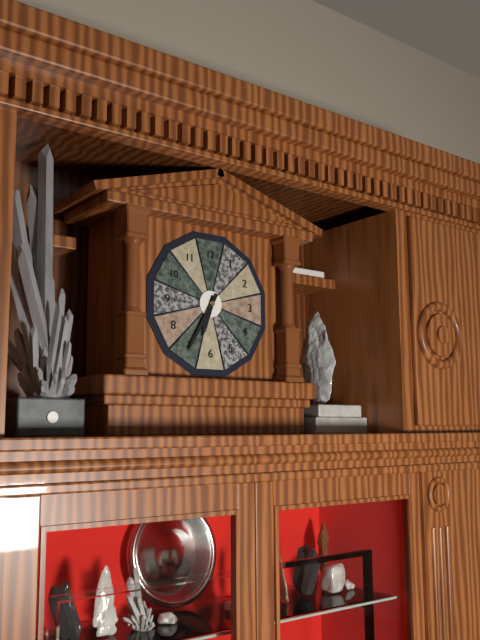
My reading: 6:35
